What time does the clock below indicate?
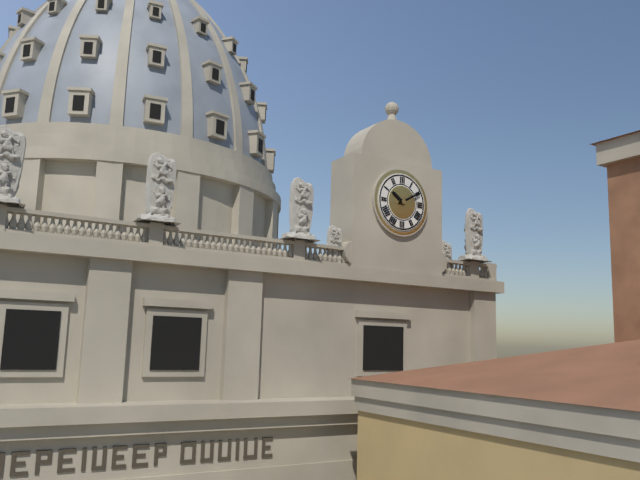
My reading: 10:10
